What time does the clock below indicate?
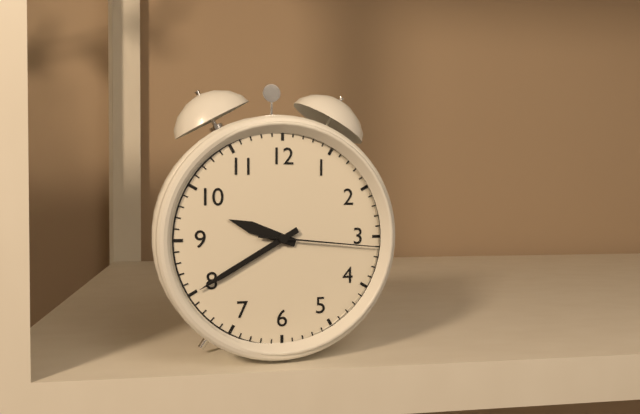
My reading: 9:40:16
